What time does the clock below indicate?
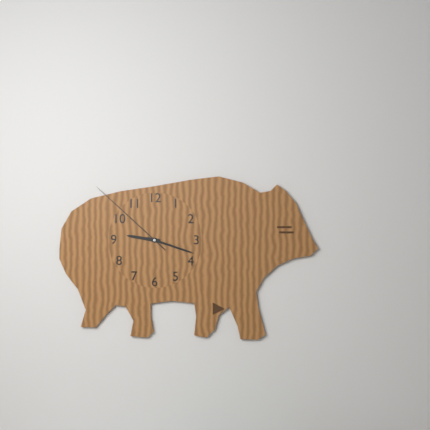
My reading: 9:18:52
